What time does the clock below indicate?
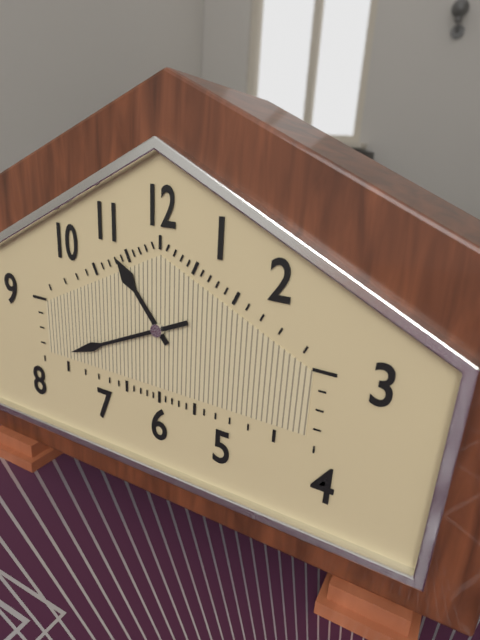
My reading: 10:41
